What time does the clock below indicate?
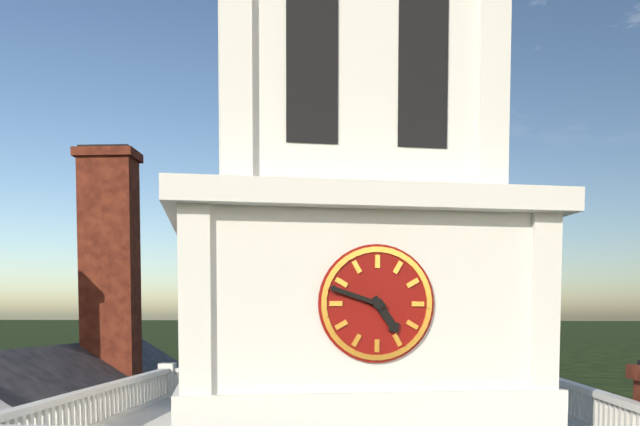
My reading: 4:48
